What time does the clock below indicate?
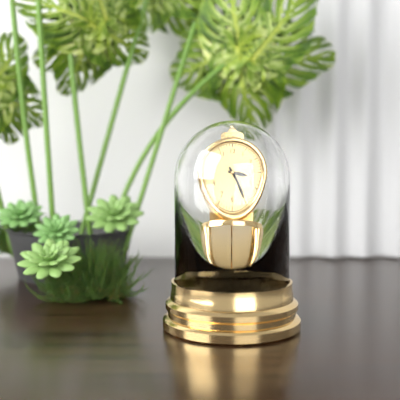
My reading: 3:25
